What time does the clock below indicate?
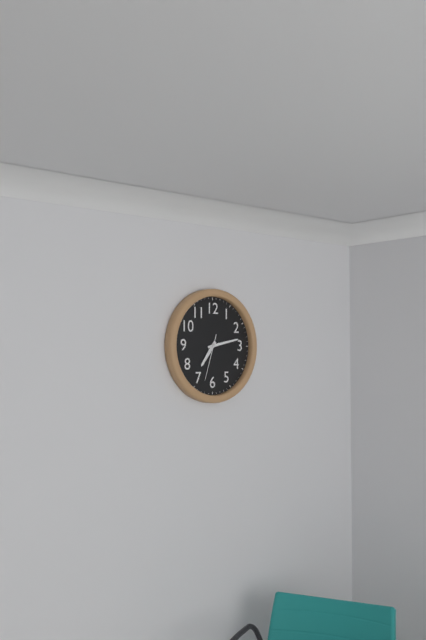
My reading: 7:13
